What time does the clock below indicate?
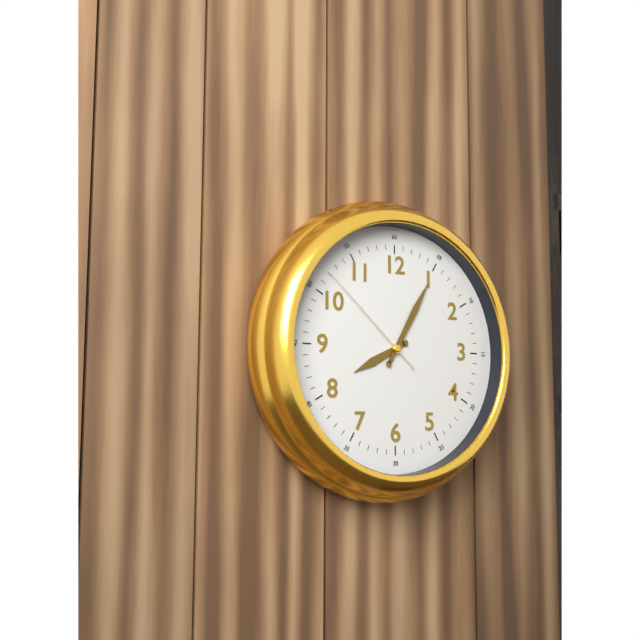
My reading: 8:05:52
